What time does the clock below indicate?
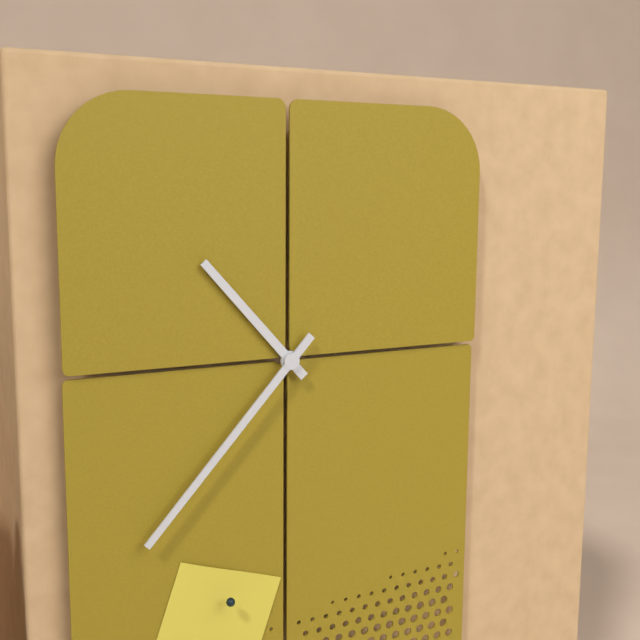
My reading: 10:37
